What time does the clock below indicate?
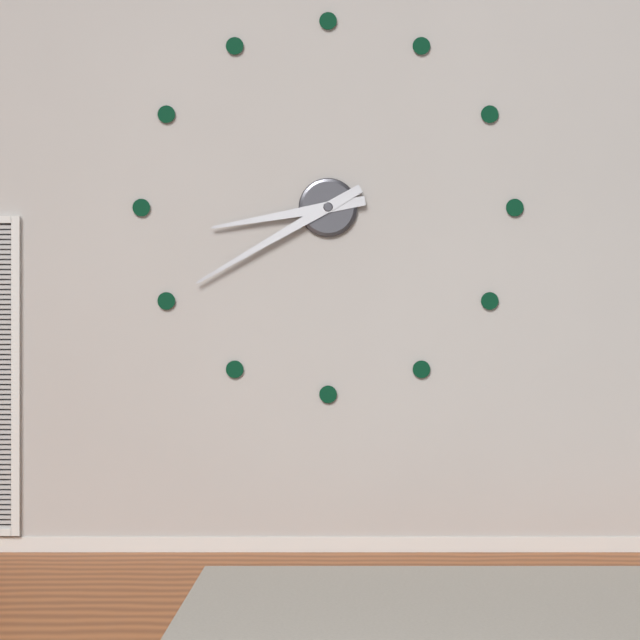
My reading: 8:40
